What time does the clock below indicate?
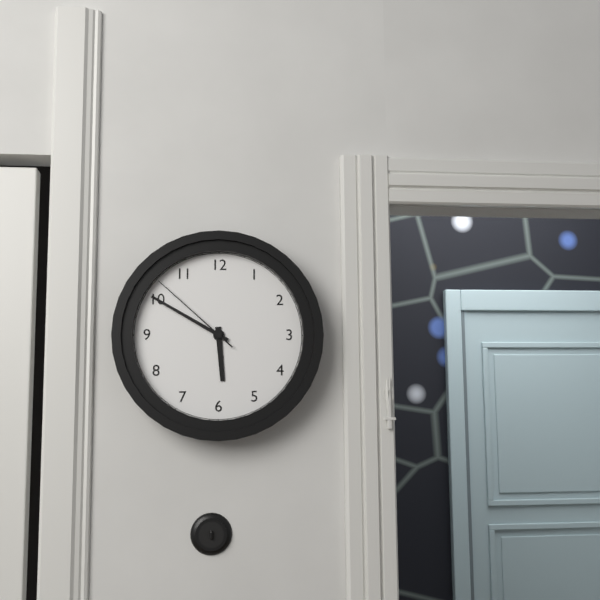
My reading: 5:50:52
